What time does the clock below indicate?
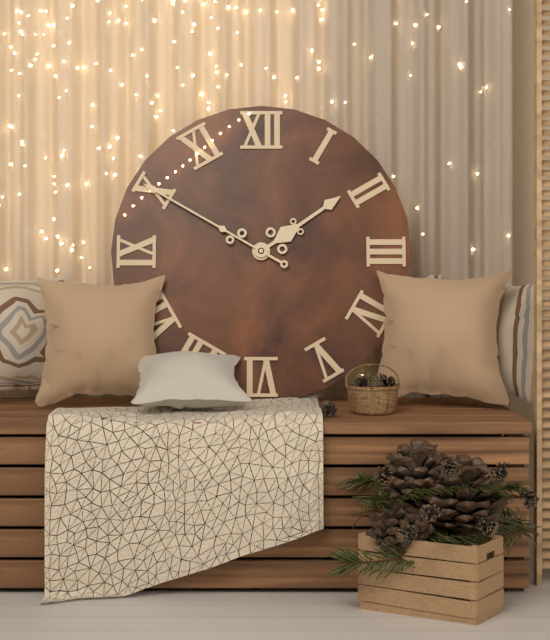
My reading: 1:50
